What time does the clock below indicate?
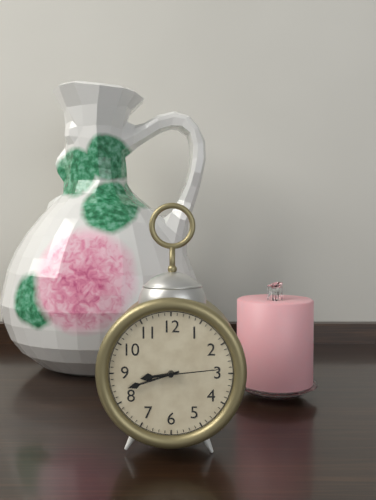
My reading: 8:42:14
